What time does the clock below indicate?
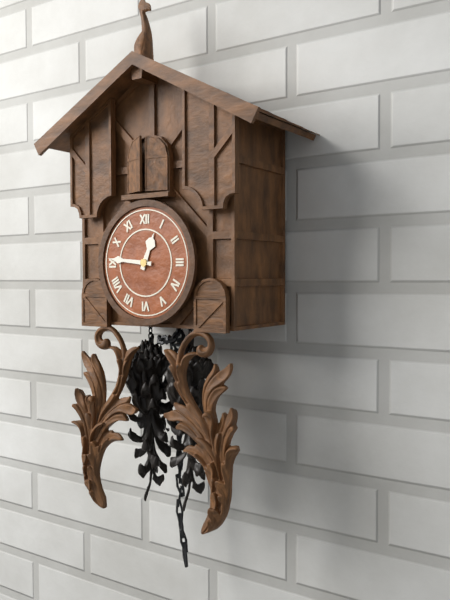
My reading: 12:46
